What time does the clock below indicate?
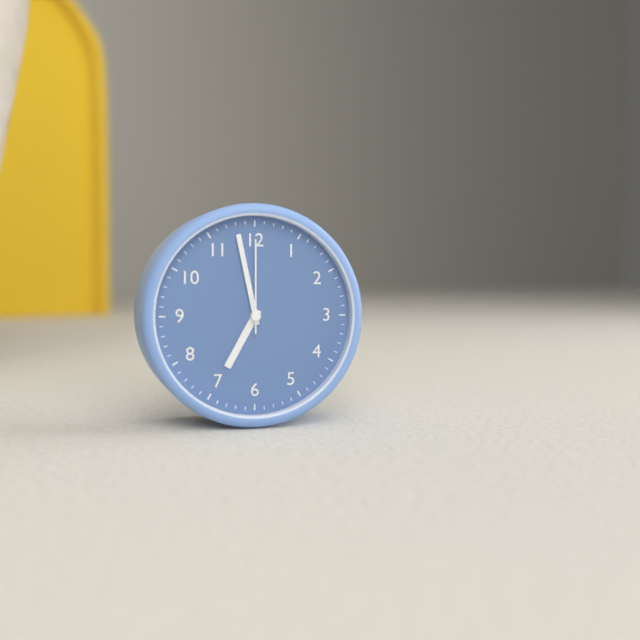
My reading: 6:58:00
